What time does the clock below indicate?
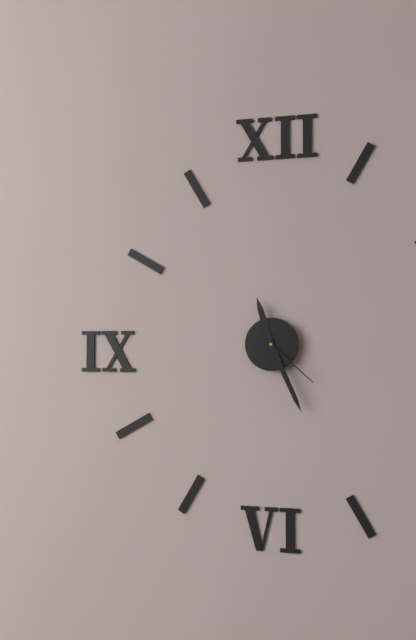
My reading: 11:26:22
